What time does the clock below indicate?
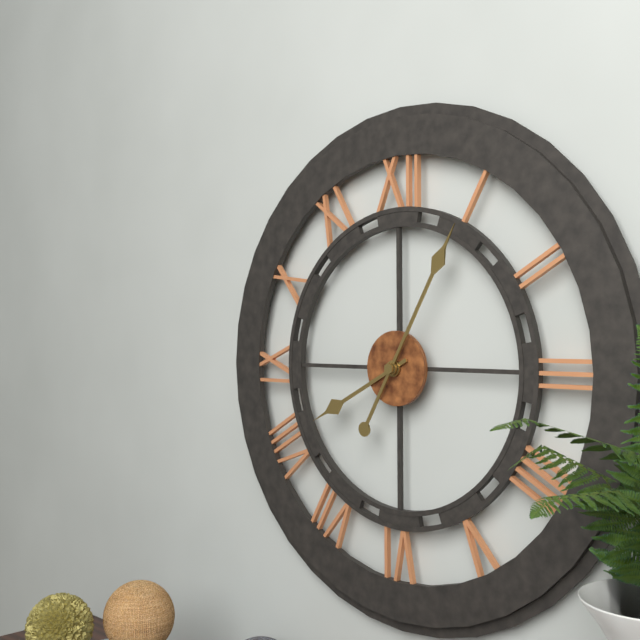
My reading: 8:05
